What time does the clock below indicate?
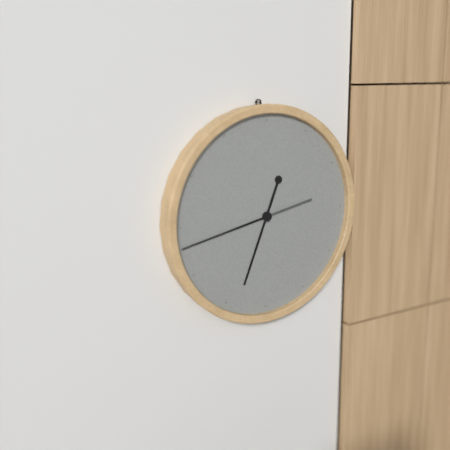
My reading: 6:43
